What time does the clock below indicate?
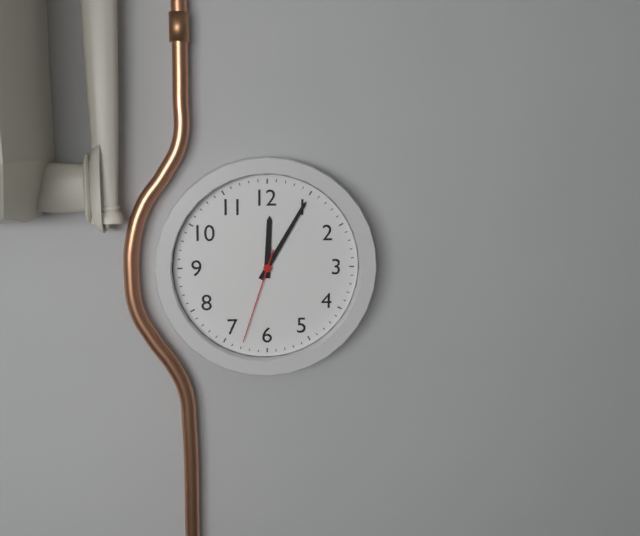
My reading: 12:05:33
